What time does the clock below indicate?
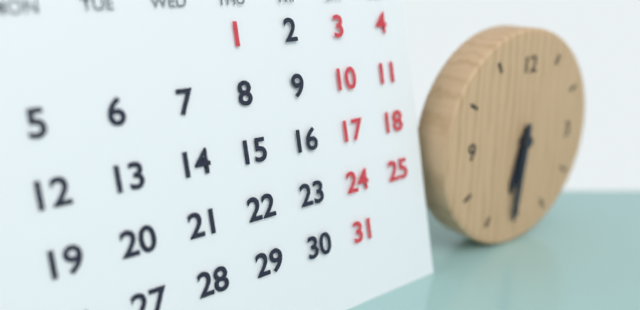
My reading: 6:31
